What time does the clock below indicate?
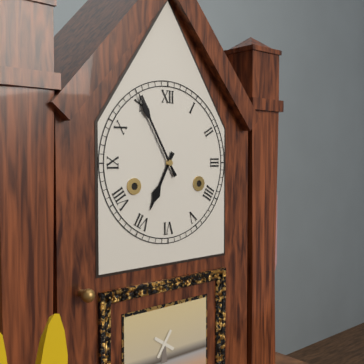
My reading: 6:55
